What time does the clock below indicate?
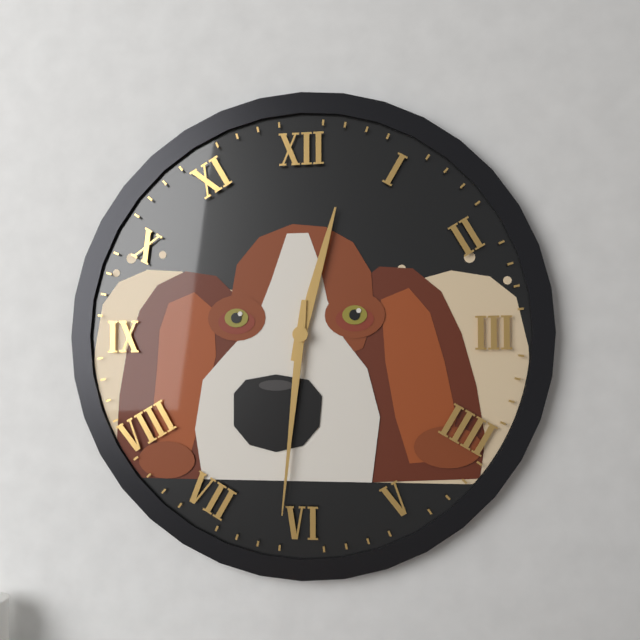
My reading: 12:31
